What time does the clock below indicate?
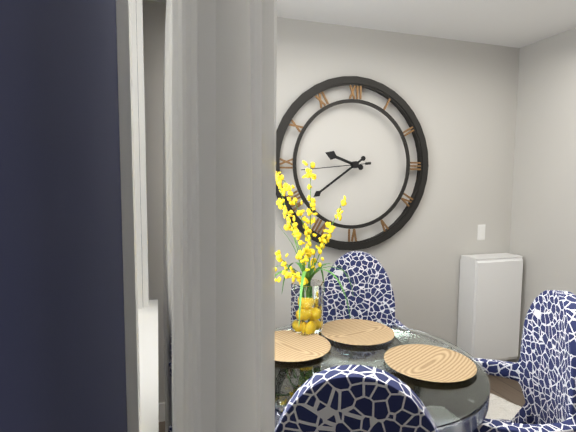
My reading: 9:39:44
